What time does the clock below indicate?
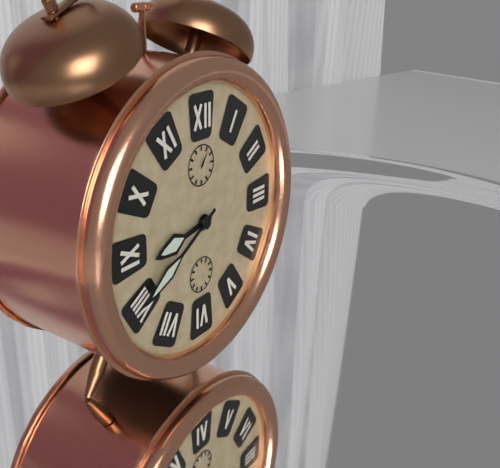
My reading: 8:40
